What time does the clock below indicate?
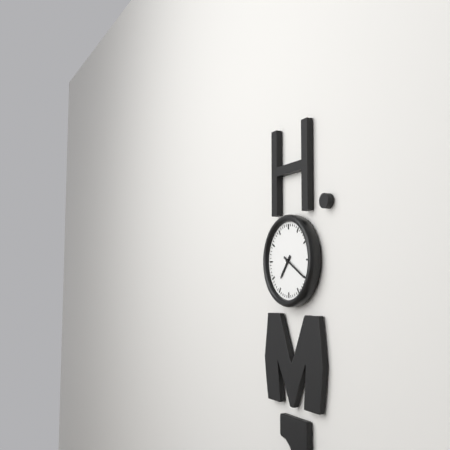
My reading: 7:20
